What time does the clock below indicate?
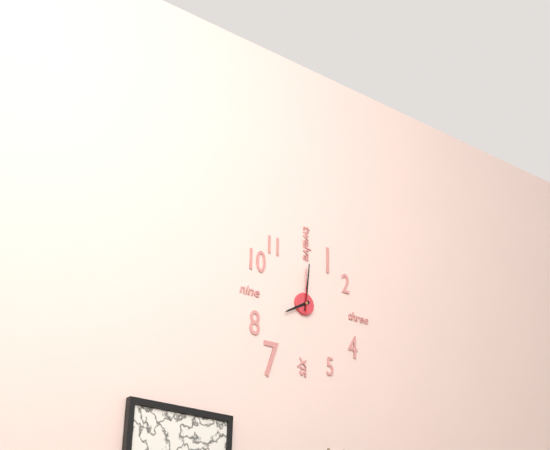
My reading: 8:01
